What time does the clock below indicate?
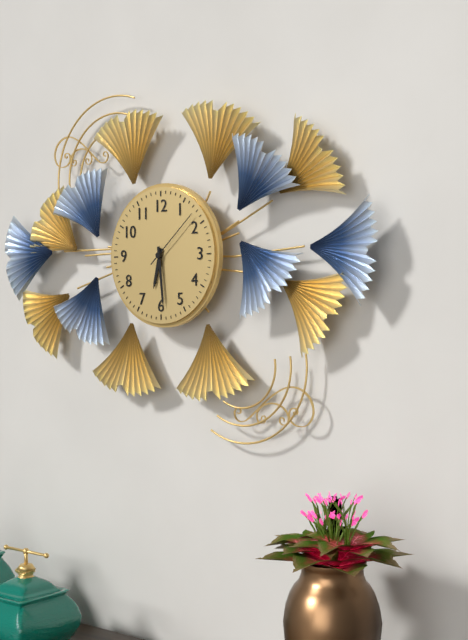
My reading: 6:29:08
